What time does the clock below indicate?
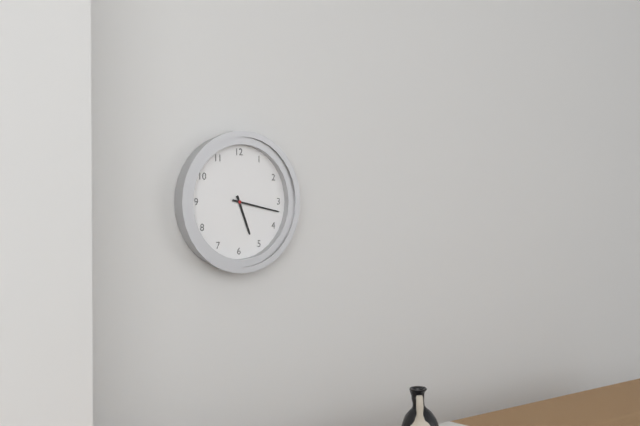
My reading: 5:17
